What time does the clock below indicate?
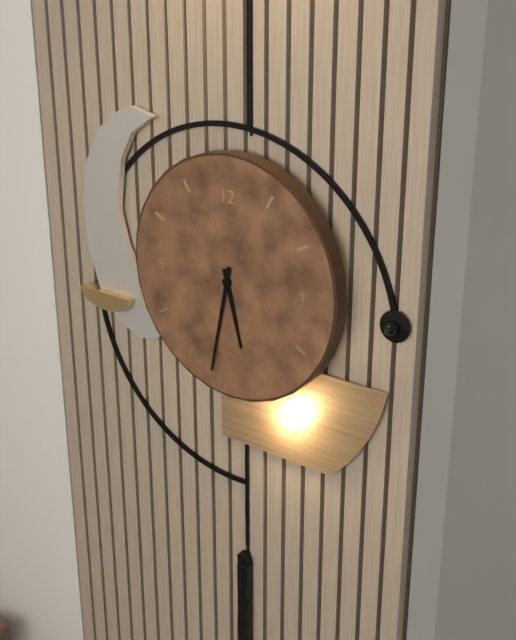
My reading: 5:32
